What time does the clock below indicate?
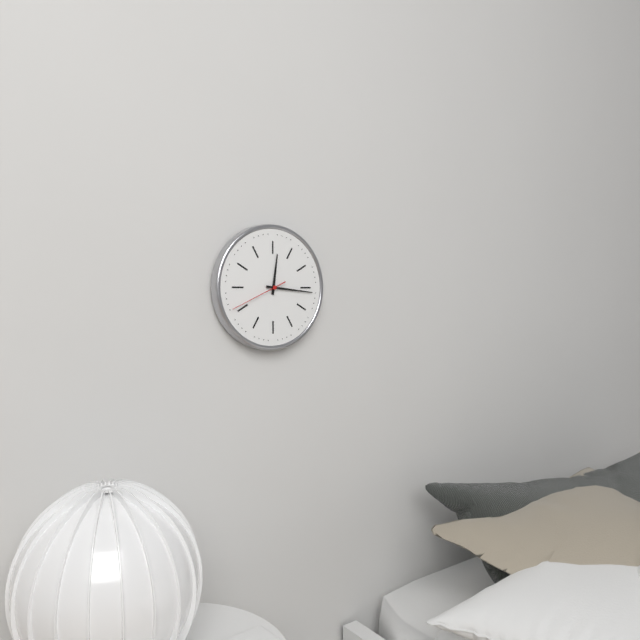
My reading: 12:16:41
